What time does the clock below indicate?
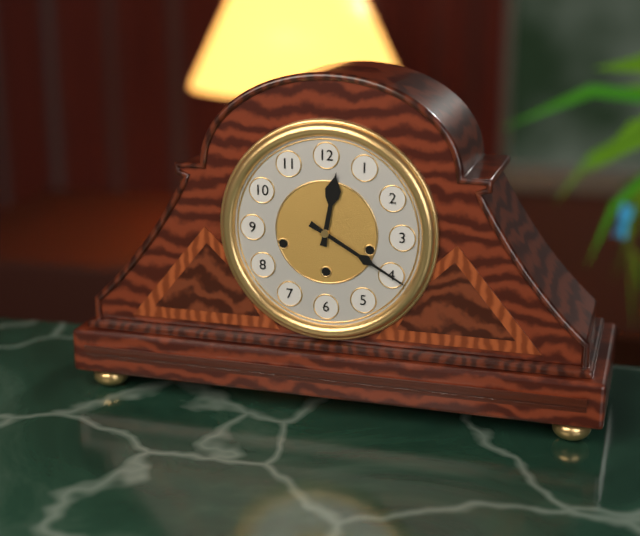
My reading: 12:20
